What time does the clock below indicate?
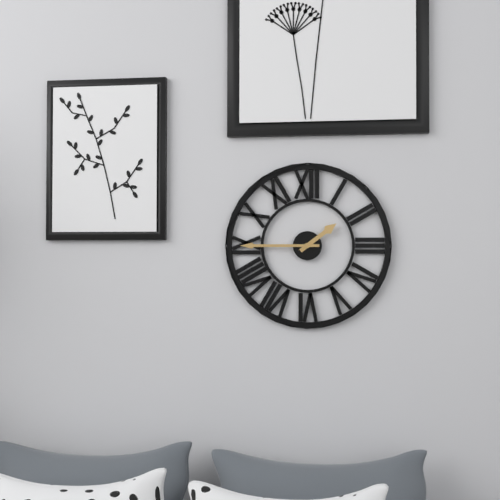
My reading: 1:45
